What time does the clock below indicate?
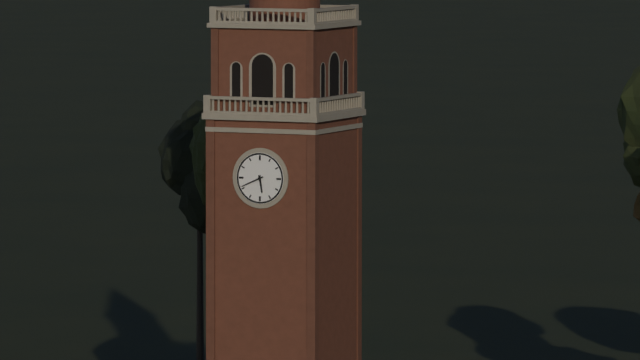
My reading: 5:41
